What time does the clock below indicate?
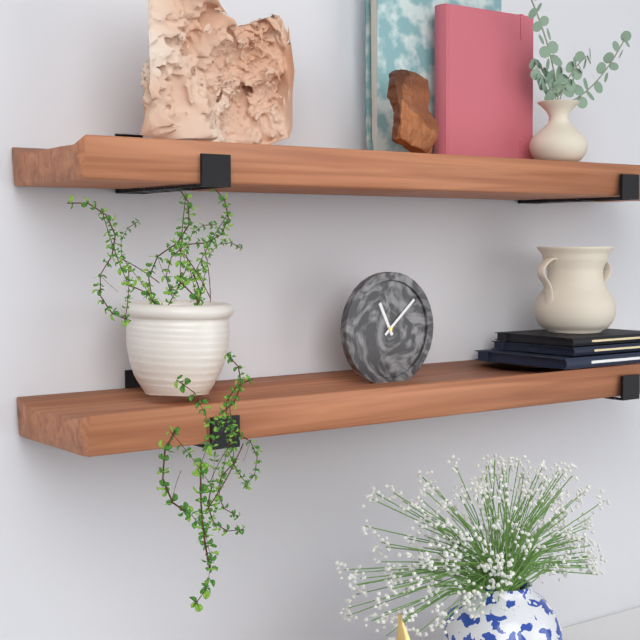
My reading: 11:08
